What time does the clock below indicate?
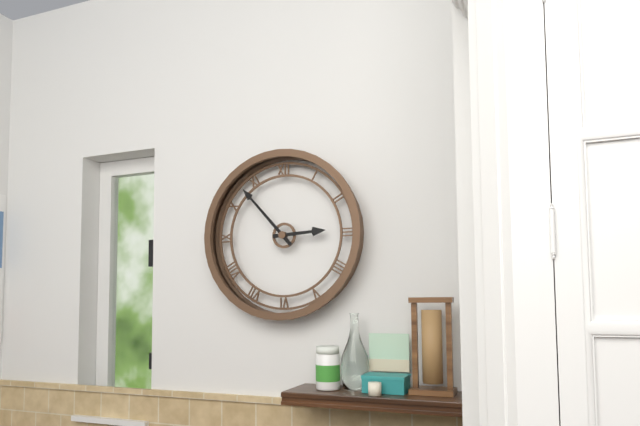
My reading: 2:53
